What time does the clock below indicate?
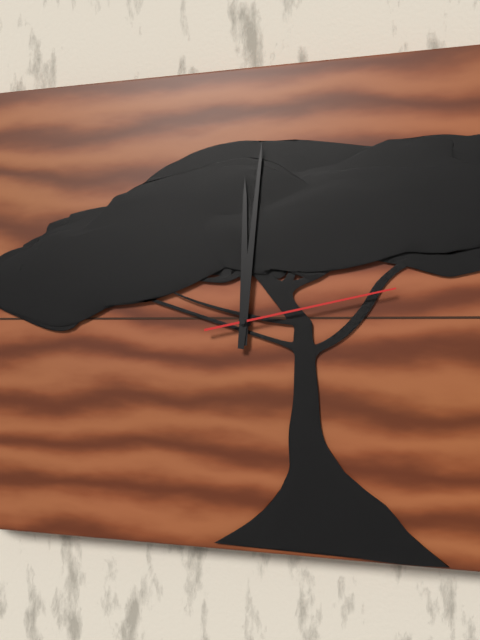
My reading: 12:01:13
